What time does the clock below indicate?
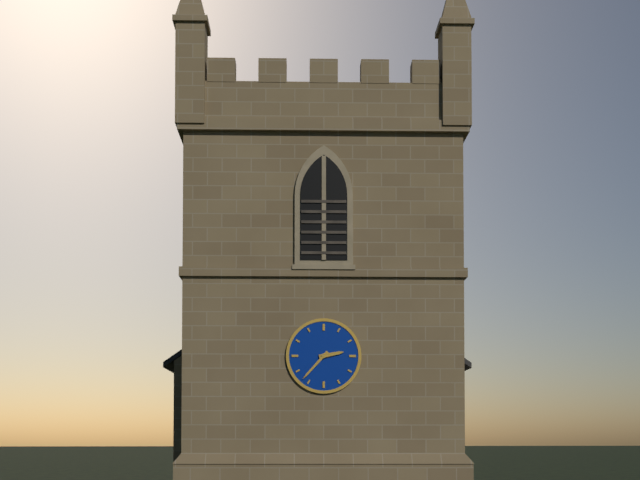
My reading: 2:37
